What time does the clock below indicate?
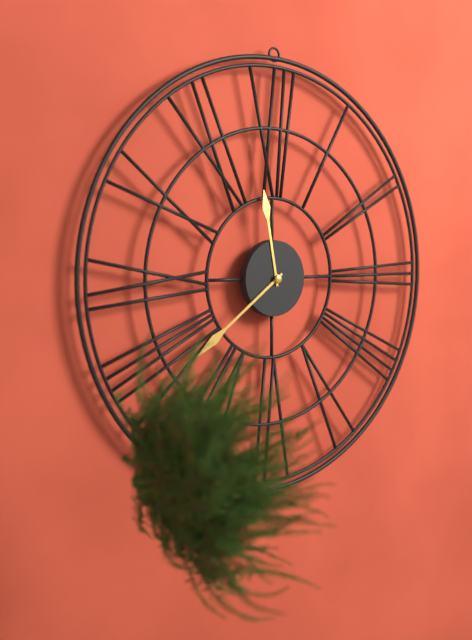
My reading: 11:39
